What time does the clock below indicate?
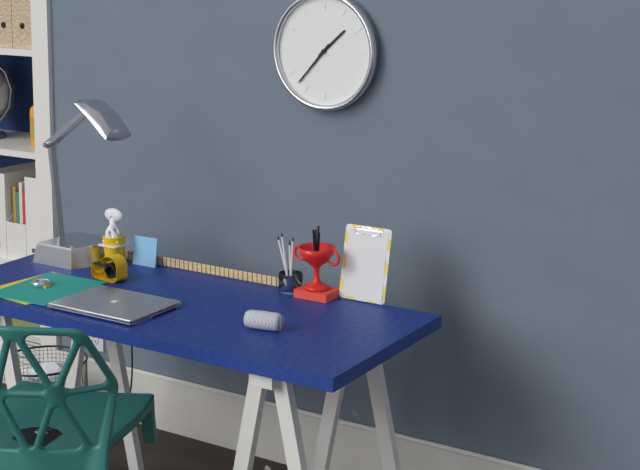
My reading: 1:37
